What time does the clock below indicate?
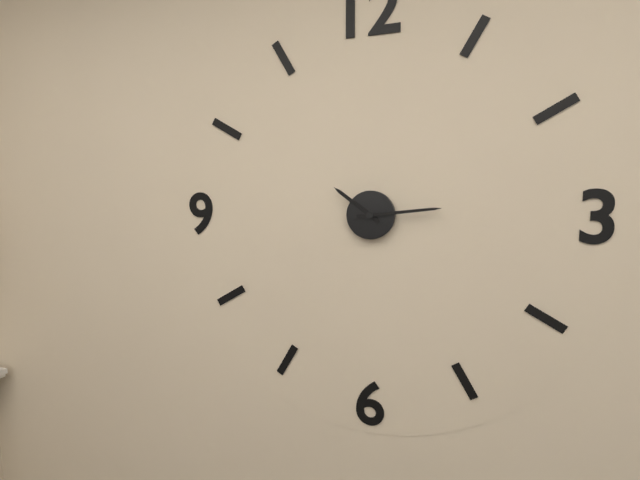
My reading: 10:14
